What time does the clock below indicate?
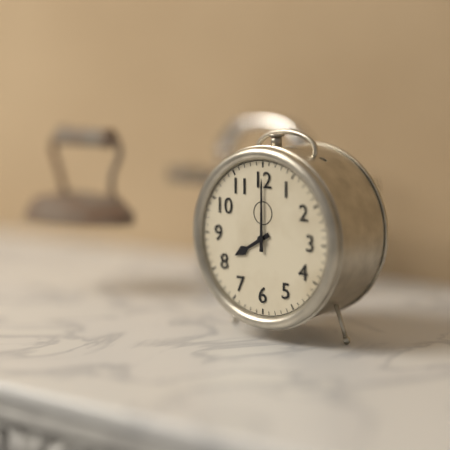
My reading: 8:00
